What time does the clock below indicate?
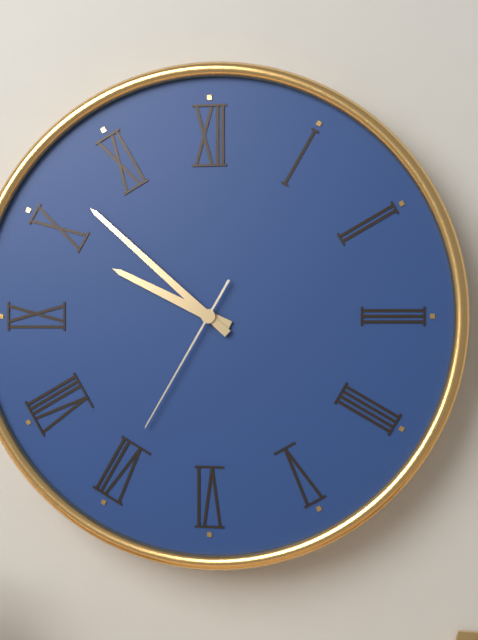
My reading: 9:52:35
